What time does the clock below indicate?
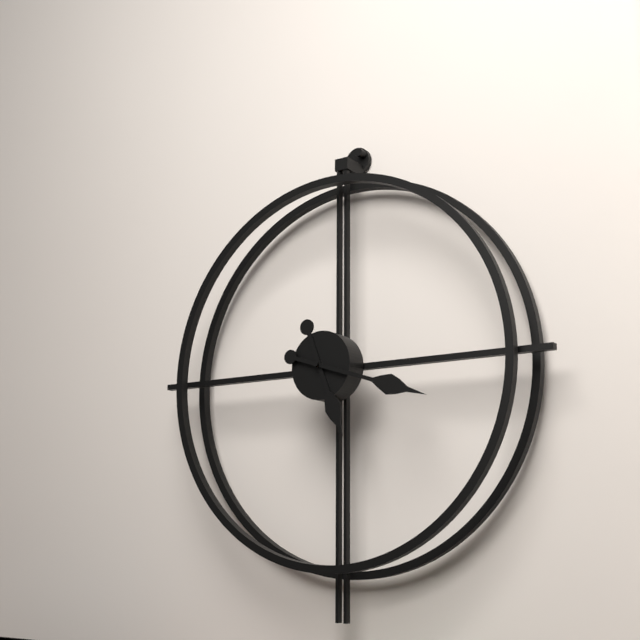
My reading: 5:18
